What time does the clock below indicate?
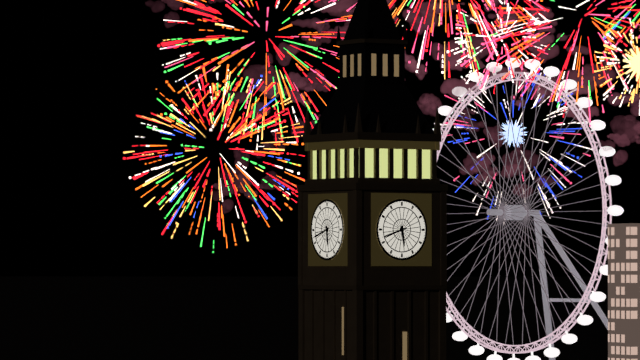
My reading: 5:42
